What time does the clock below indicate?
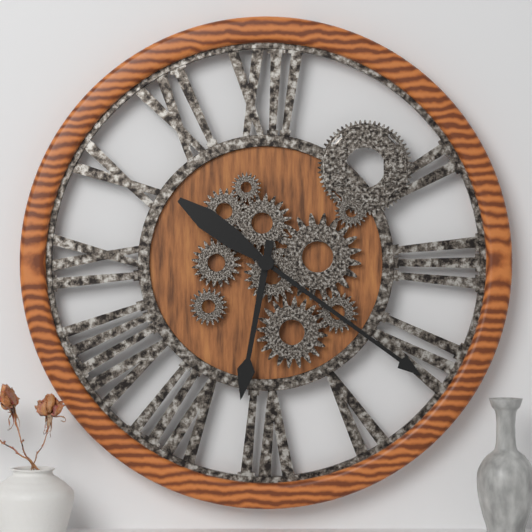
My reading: 6:21
